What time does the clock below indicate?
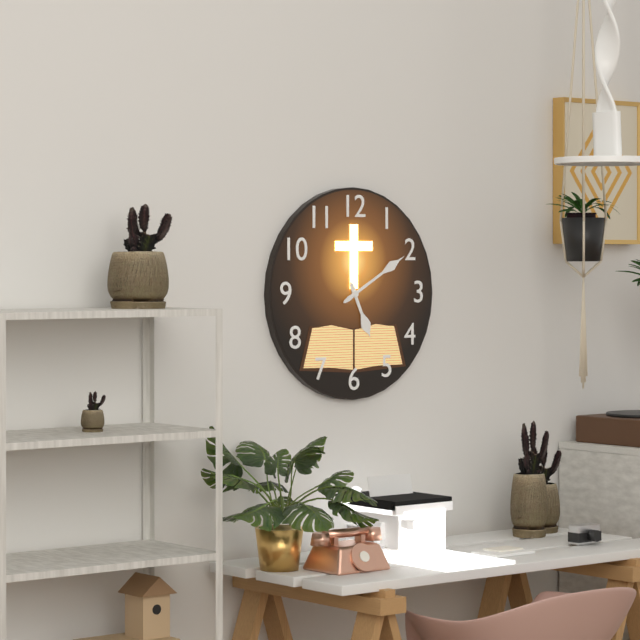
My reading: 5:10
